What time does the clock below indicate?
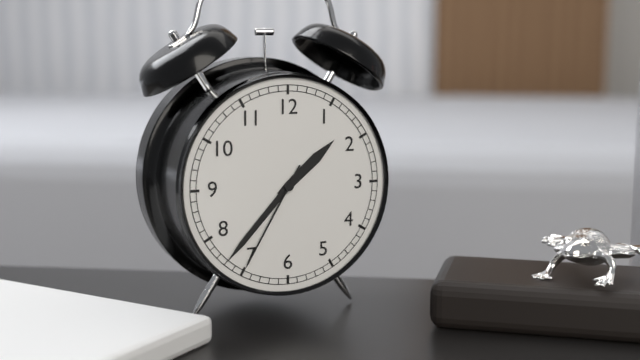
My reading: 1:37:35
